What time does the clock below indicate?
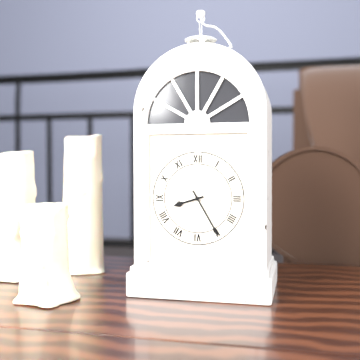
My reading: 8:25
